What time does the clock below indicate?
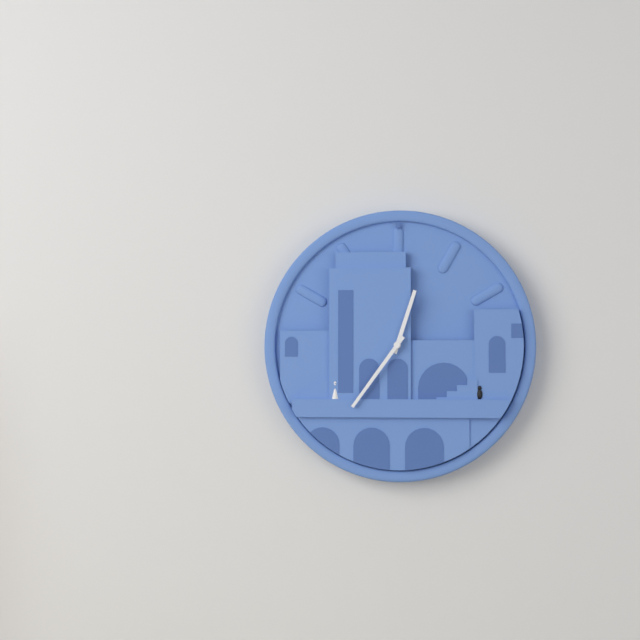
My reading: 12:36
